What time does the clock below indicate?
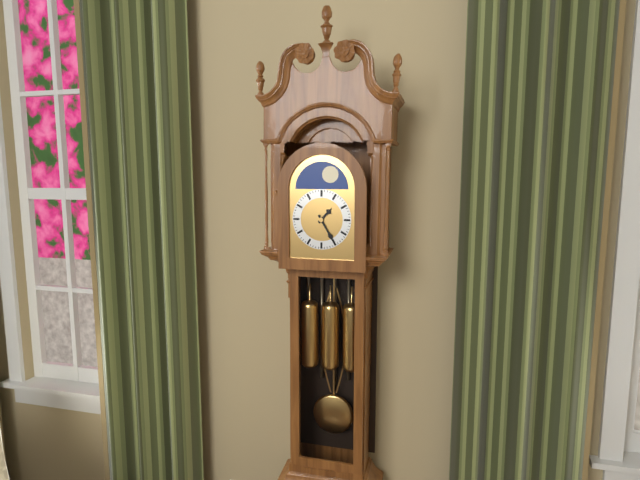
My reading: 1:25
